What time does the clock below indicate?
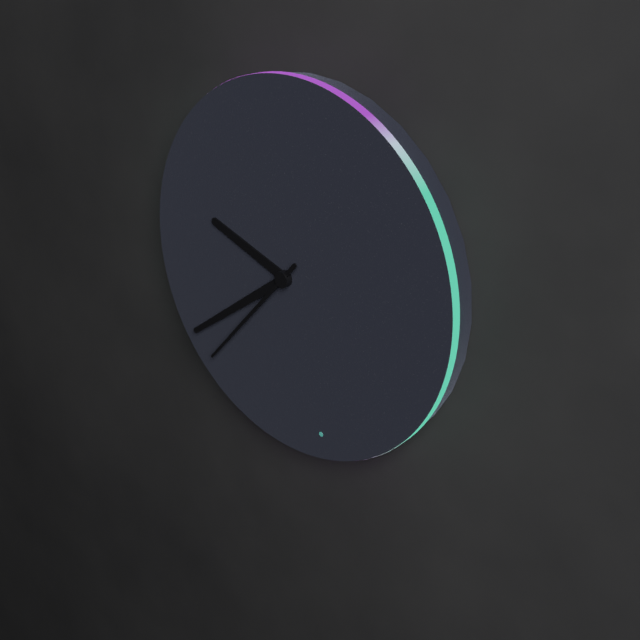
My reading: 9:39:37
